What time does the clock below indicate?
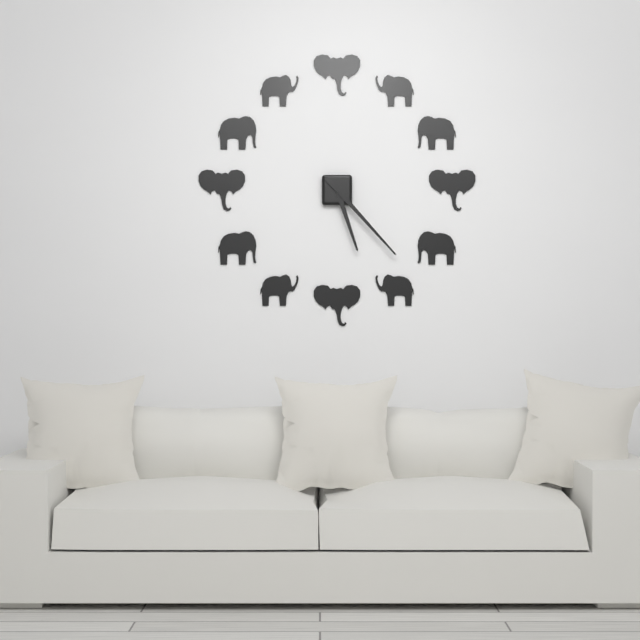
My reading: 5:23
